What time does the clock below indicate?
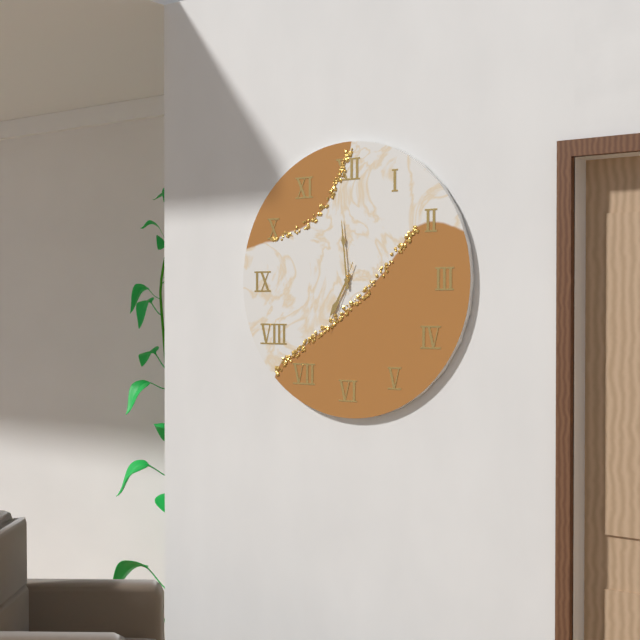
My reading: 6:59:34
